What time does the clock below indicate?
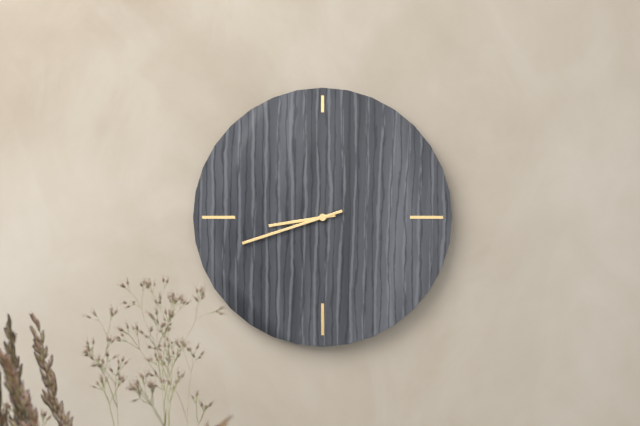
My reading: 8:42
